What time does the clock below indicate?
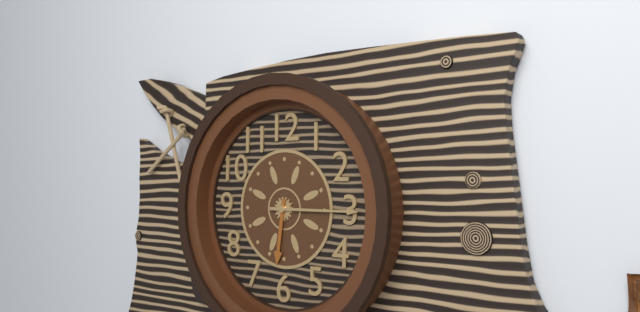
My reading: 6:15
